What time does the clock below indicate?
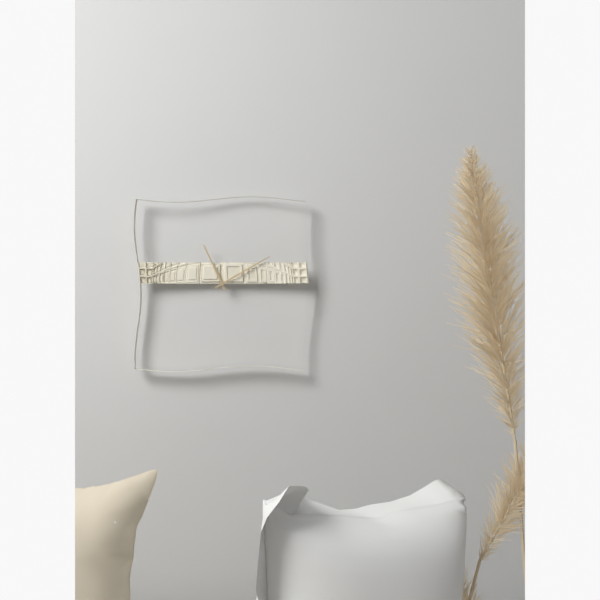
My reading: 11:10
